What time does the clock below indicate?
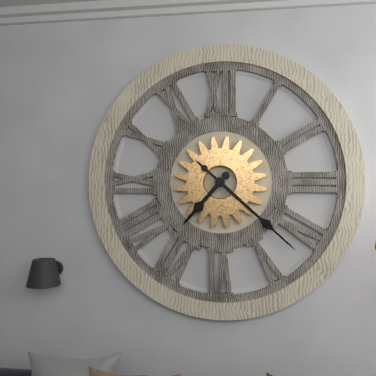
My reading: 7:22
